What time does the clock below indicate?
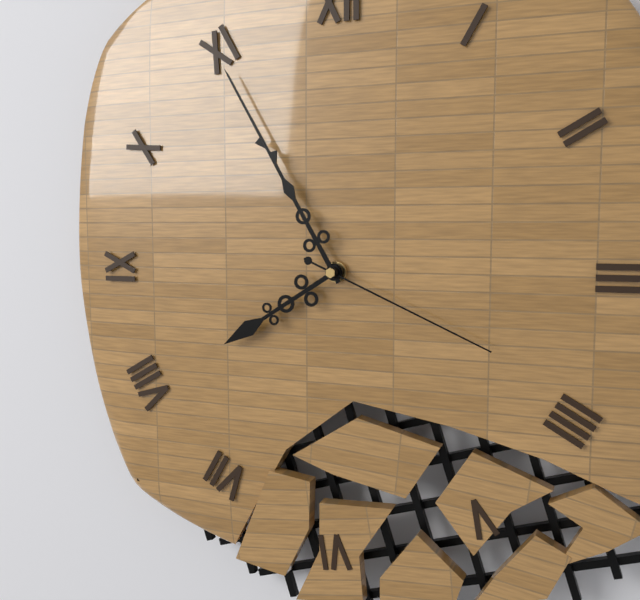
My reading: 7:55:19
